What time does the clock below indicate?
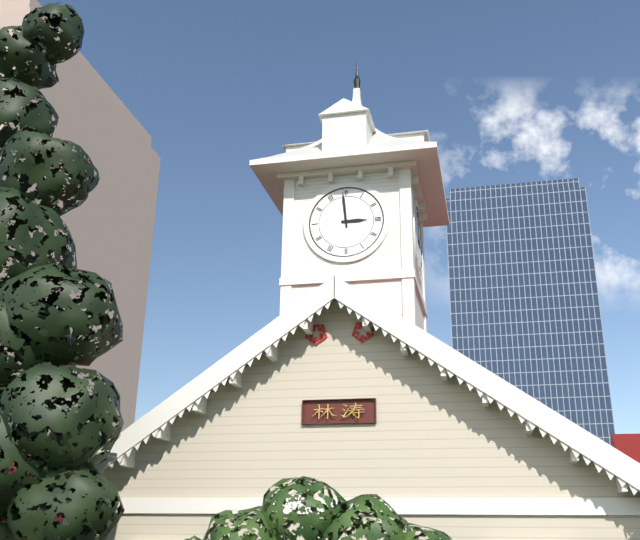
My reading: 2:59
